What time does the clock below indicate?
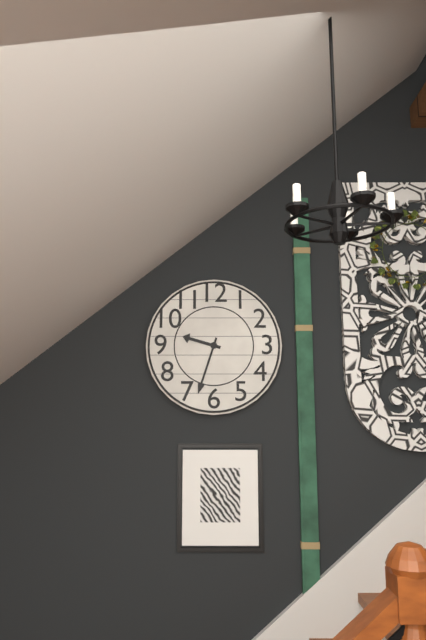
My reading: 9:33
